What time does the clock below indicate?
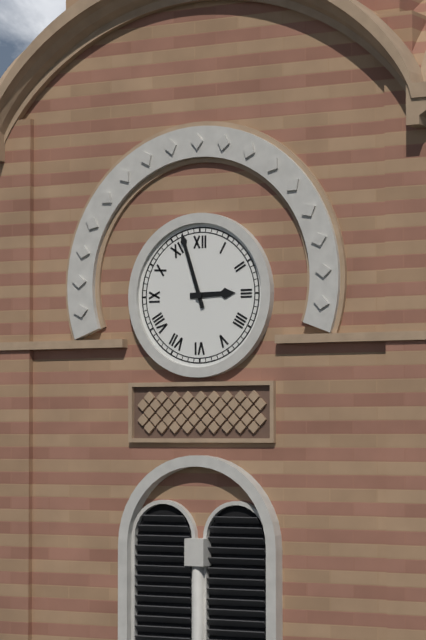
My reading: 2:57
